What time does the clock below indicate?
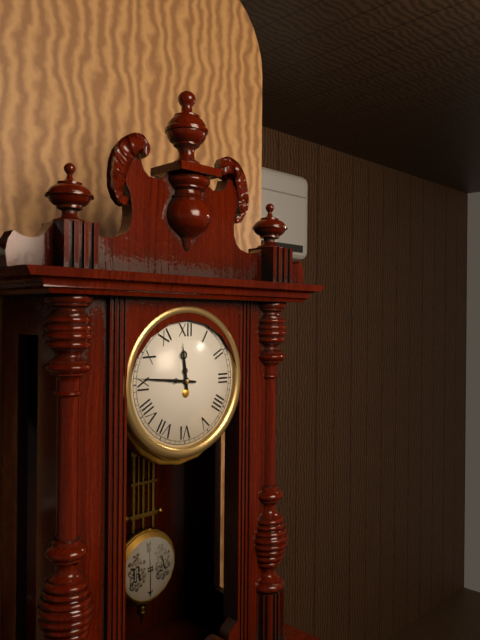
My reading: 11:46
